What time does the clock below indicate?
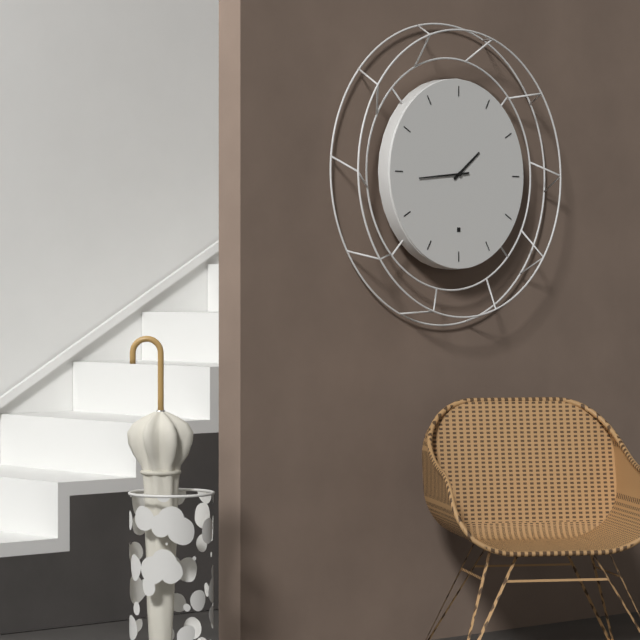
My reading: 1:44
